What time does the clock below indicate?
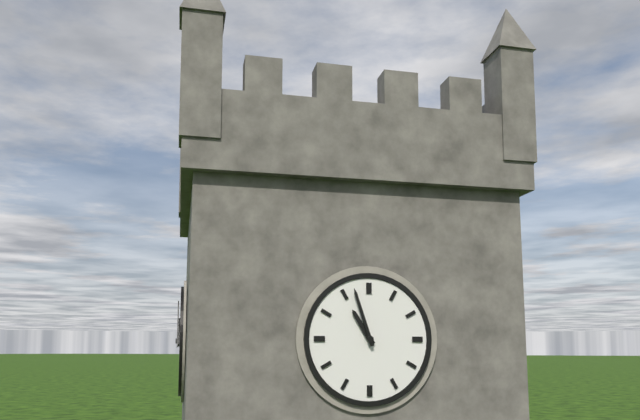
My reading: 10:57
